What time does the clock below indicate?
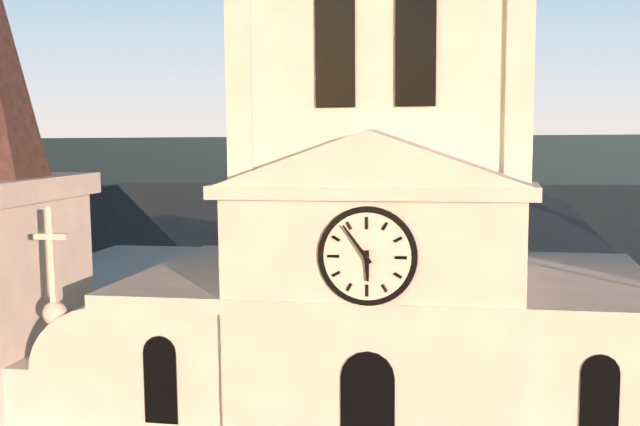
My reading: 5:54
